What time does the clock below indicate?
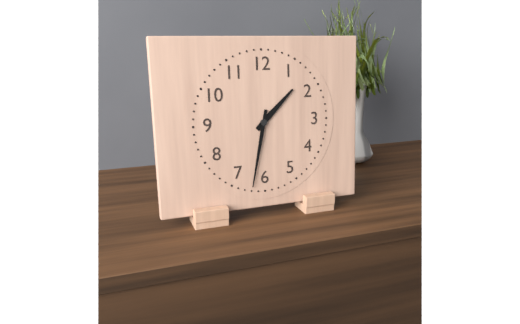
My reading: 1:32
